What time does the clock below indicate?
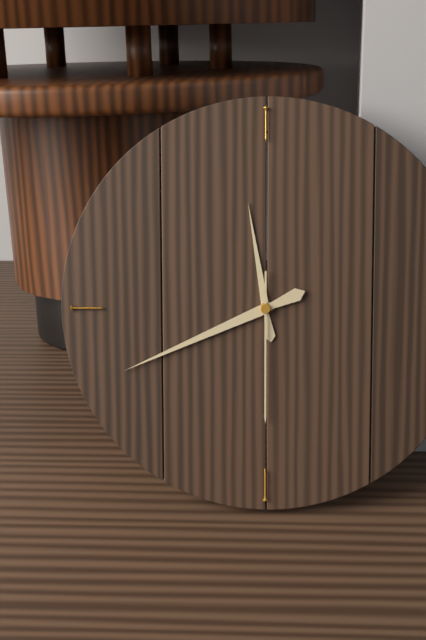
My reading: 11:41:30
